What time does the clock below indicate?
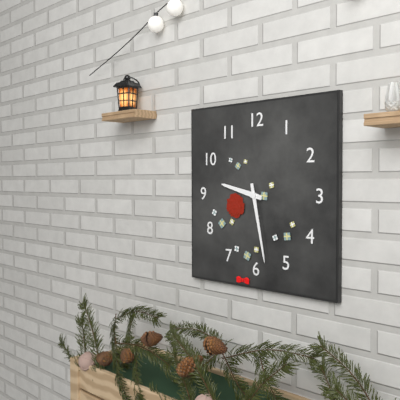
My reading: 9:28
